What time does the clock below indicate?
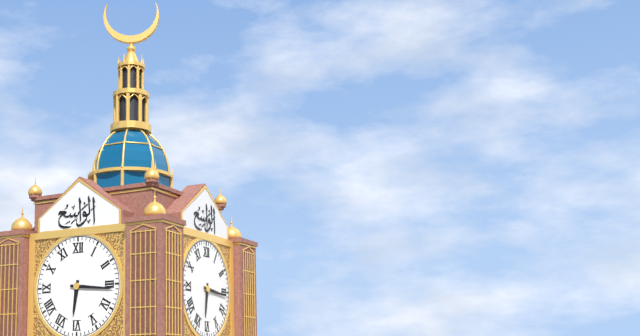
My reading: 6:16
